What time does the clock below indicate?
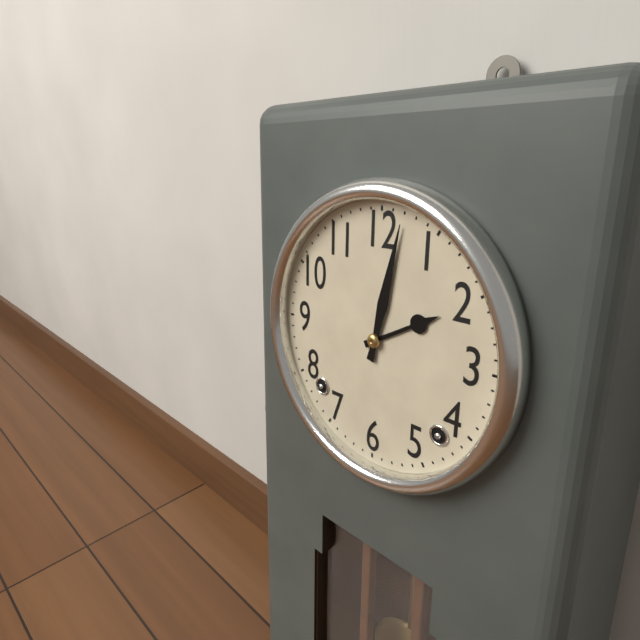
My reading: 2:02
